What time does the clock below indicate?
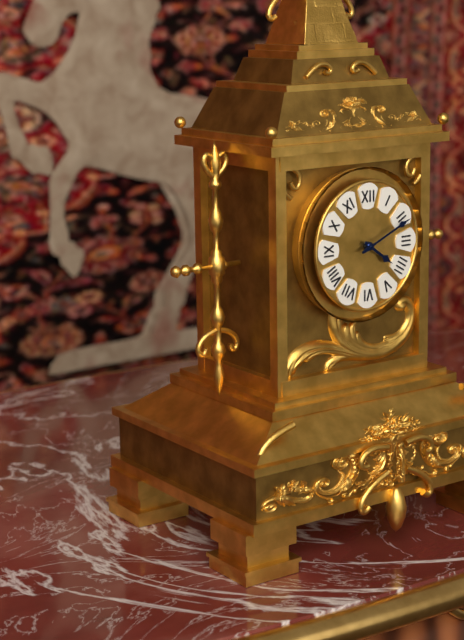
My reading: 4:11
